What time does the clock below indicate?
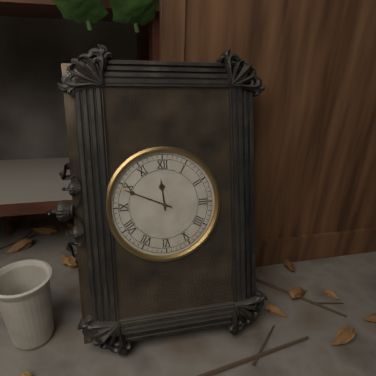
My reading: 11:49
